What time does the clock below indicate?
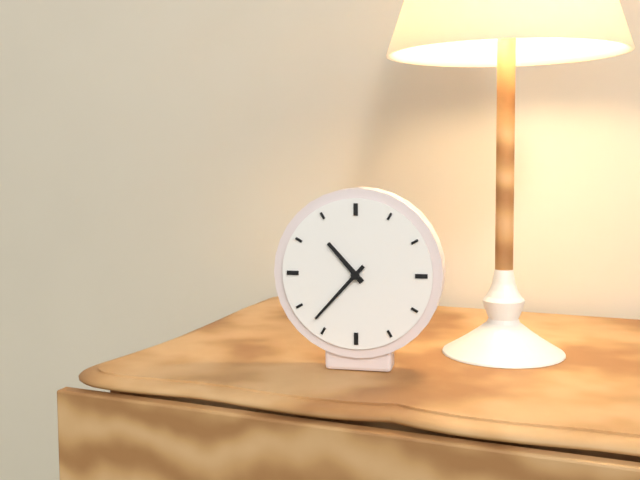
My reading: 10:37
